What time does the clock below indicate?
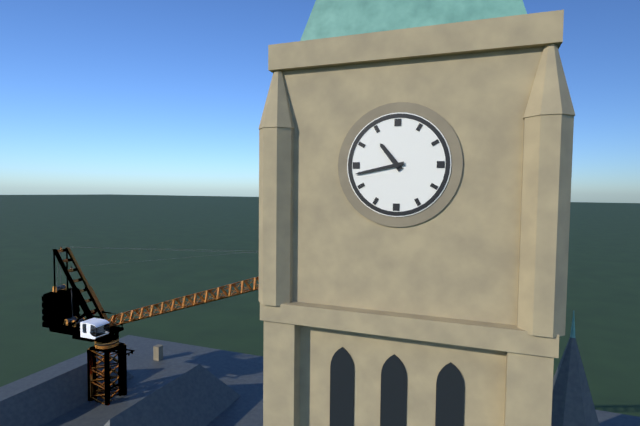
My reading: 10:43
